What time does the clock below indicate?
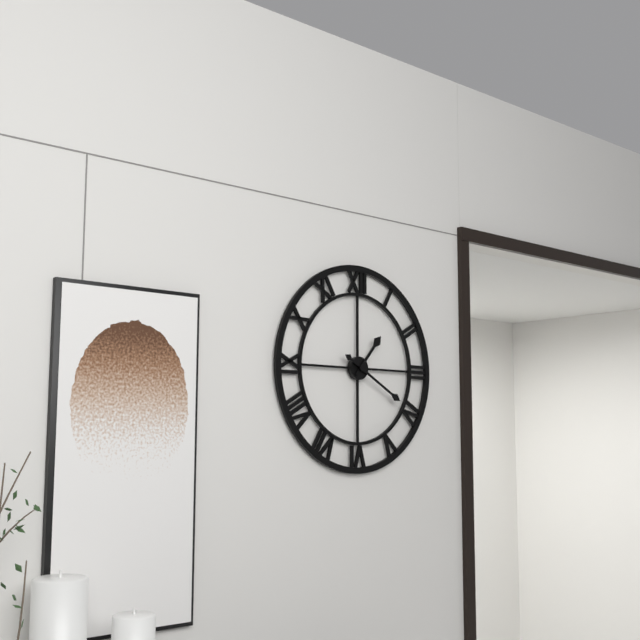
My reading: 1:20
